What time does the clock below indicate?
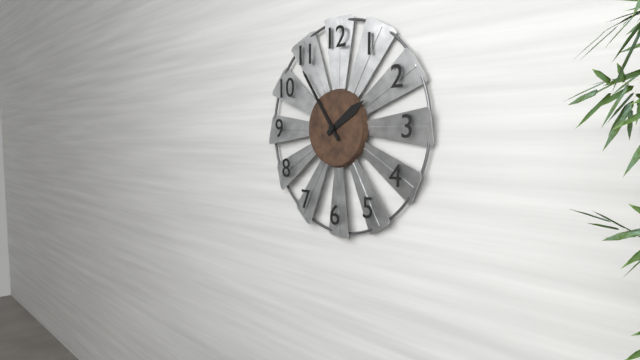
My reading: 1:54
